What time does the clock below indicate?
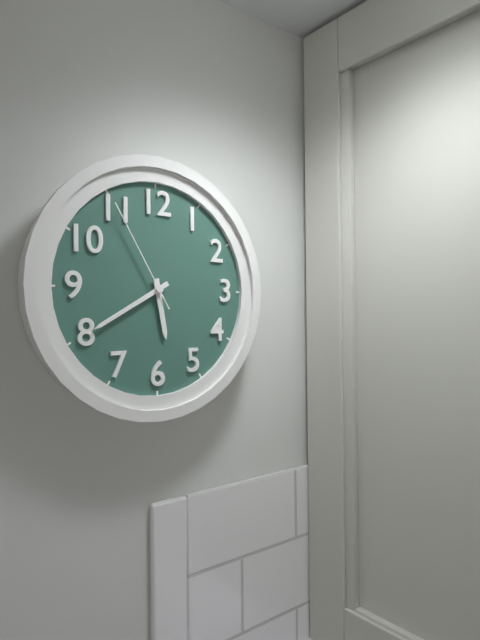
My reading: 5:40:55
